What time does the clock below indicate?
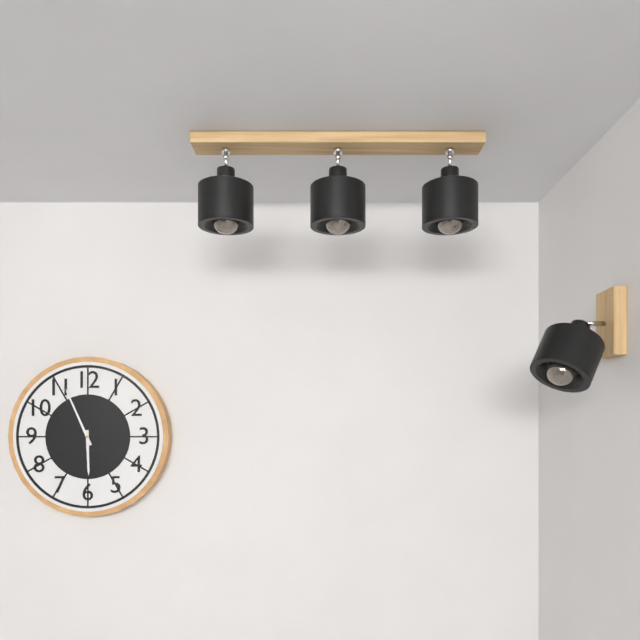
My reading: 5:56
